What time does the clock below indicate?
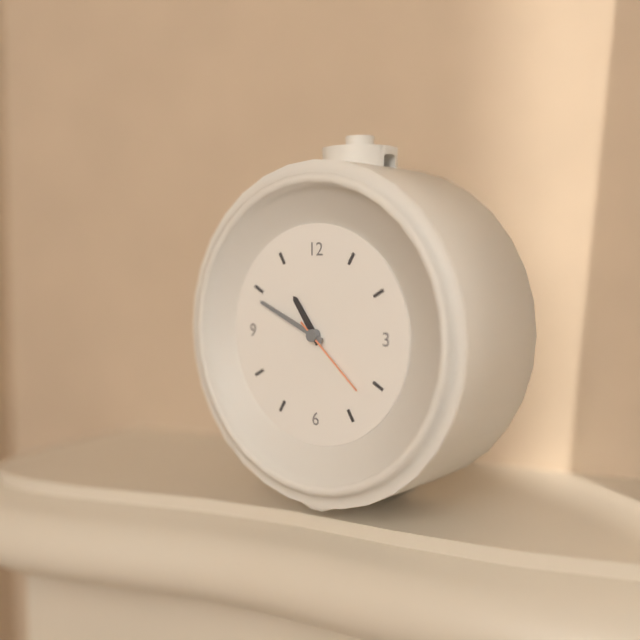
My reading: 10:49:22
